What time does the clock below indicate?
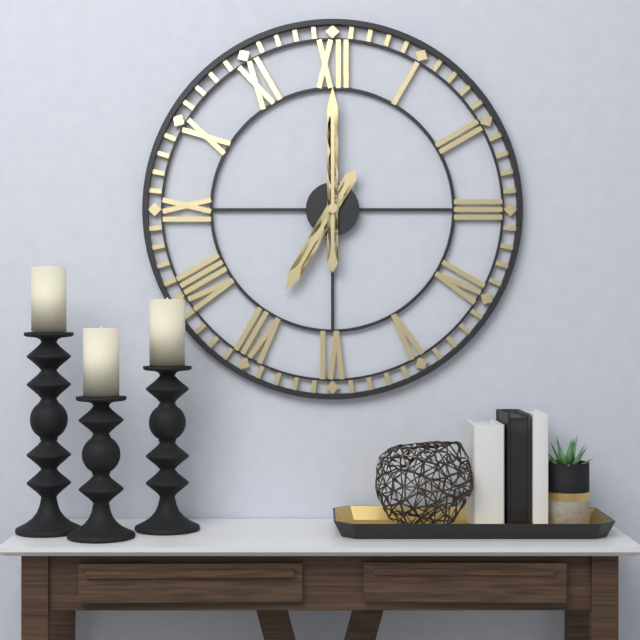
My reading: 7:00
